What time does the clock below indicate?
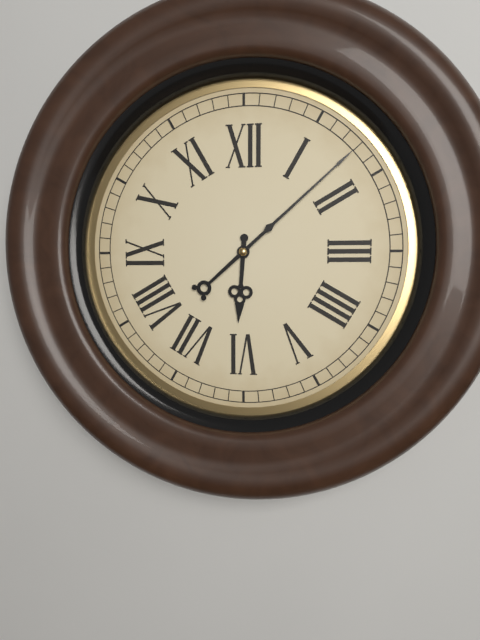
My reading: 6:08
